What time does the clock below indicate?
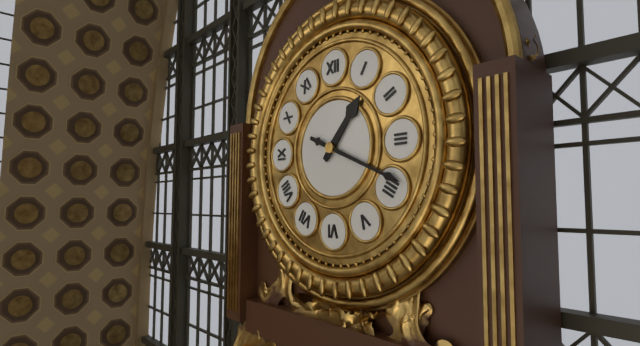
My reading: 1:19
